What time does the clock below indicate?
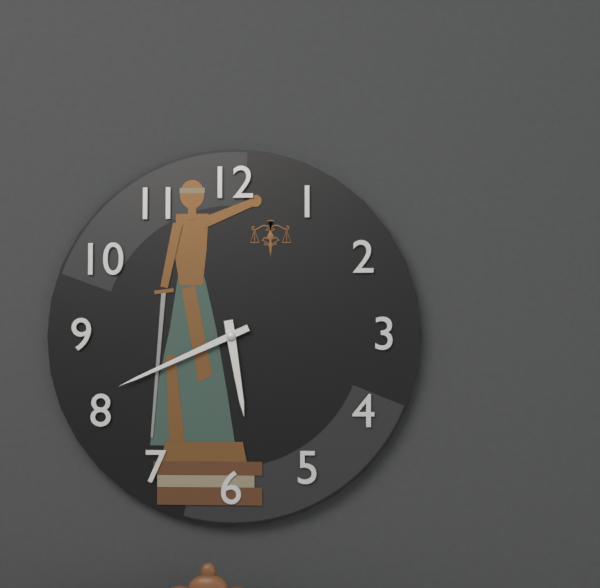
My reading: 5:41
